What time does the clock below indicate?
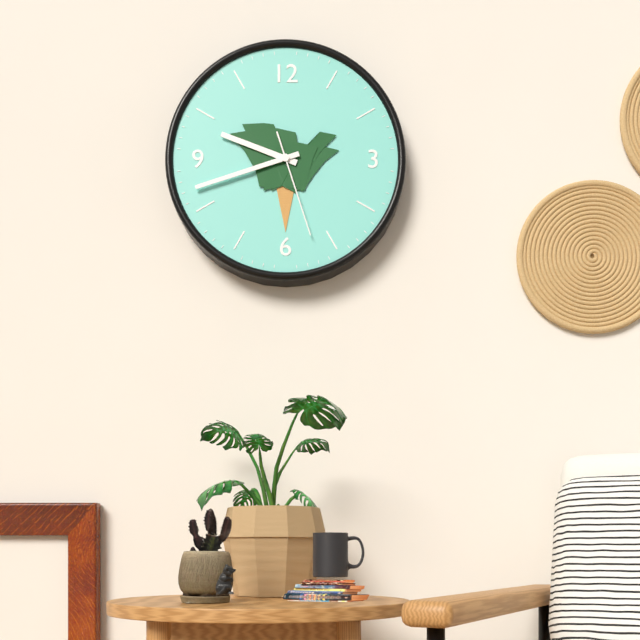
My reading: 9:42:27
